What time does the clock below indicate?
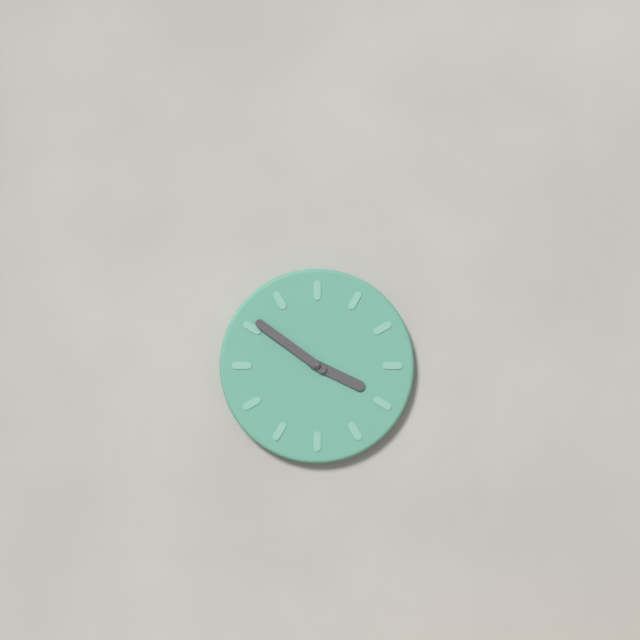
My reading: 3:51
